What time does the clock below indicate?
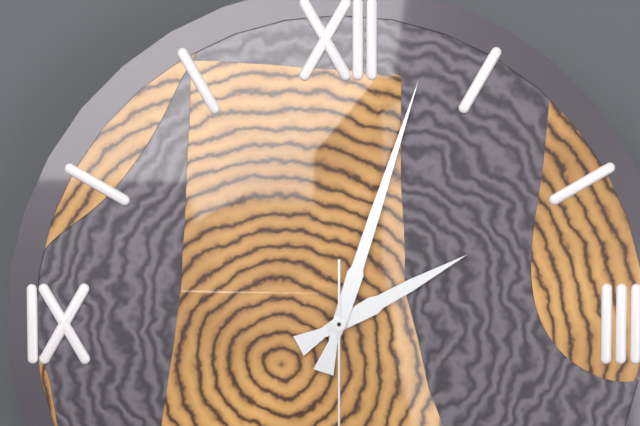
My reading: 2:03
